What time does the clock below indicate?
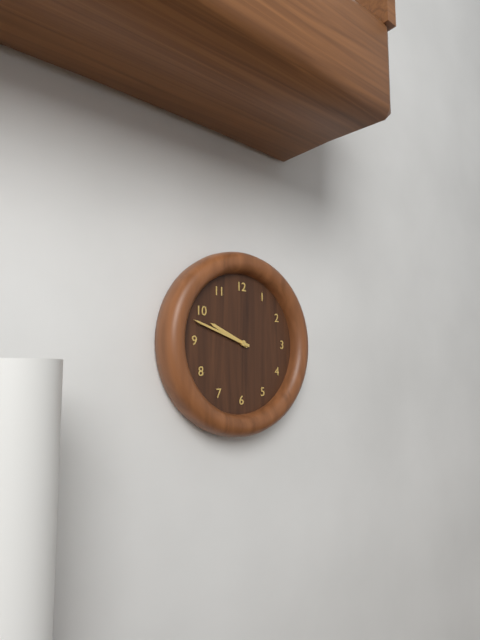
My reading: 9:48
